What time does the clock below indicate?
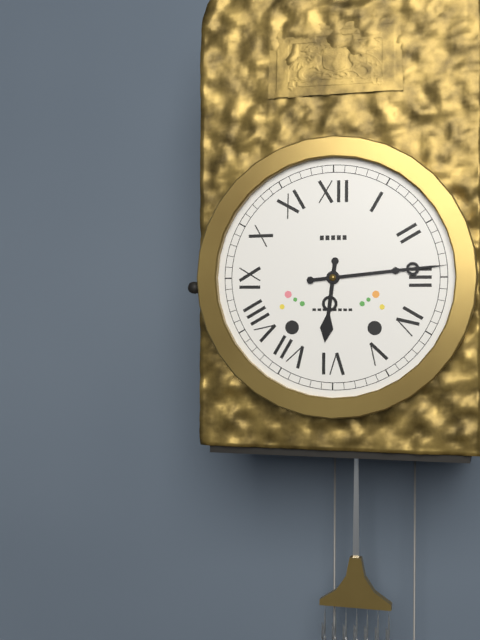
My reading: 6:14
